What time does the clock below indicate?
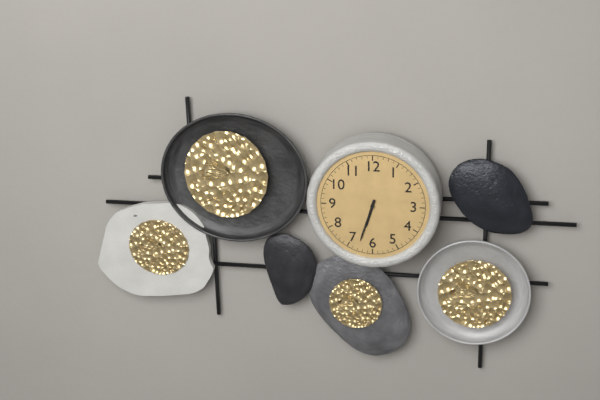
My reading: 6:33
